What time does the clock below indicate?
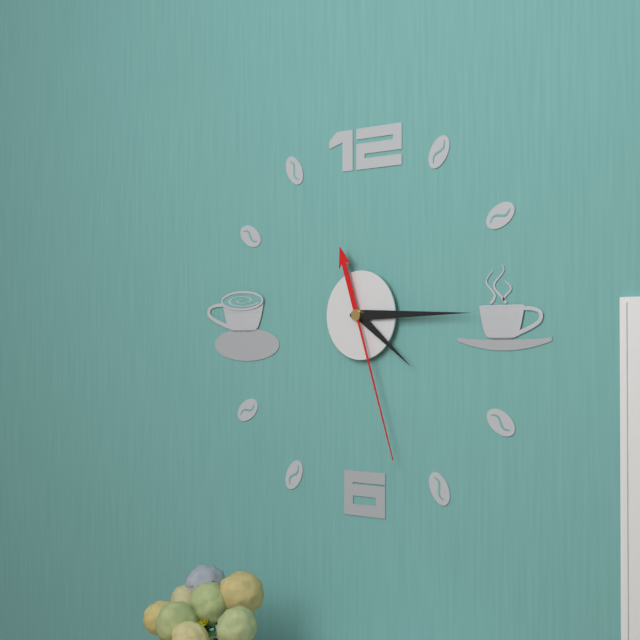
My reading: 4:15:27
